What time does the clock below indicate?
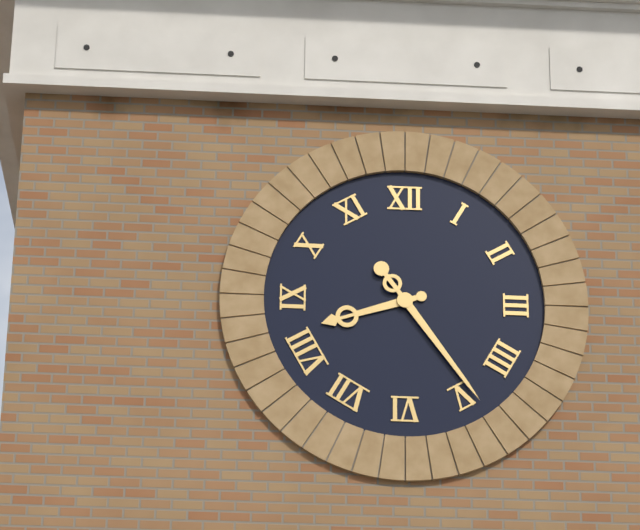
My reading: 8:24
